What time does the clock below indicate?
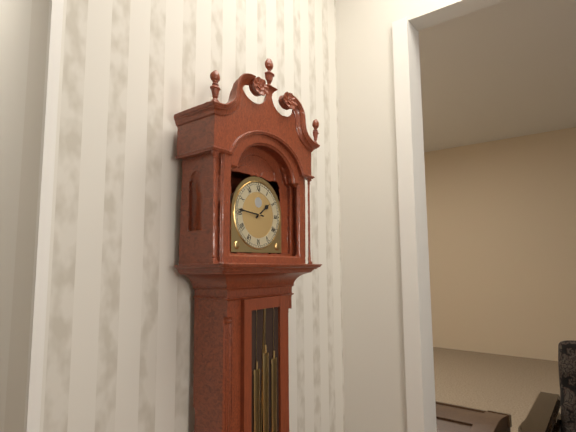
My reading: 1:46
